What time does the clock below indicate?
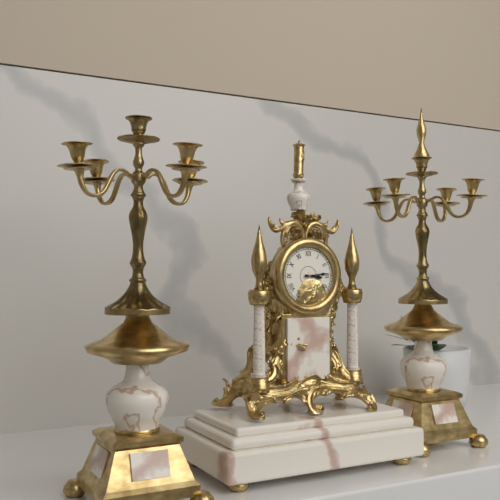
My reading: 3:14
